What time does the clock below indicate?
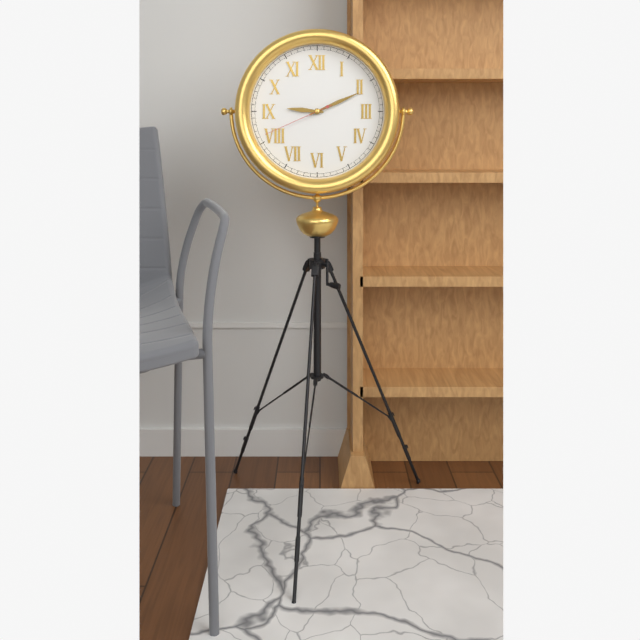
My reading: 9:11:41
